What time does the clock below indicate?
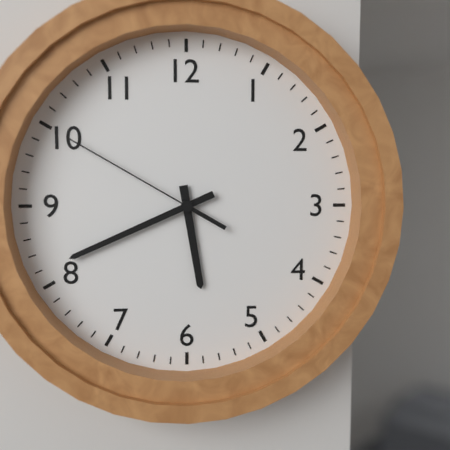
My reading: 5:41:50
